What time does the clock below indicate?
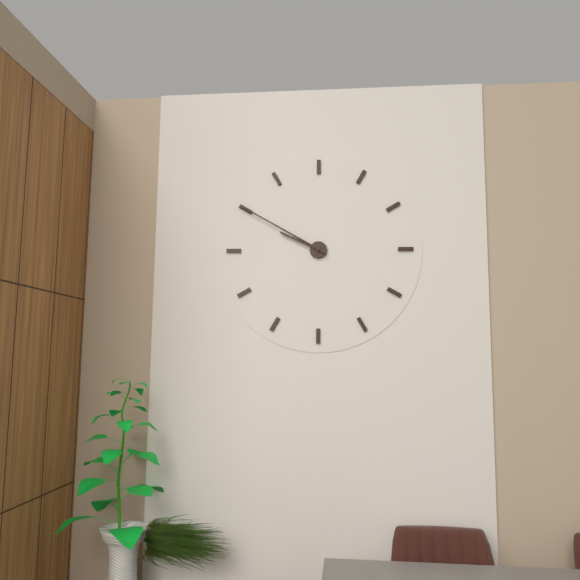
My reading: 9:50
